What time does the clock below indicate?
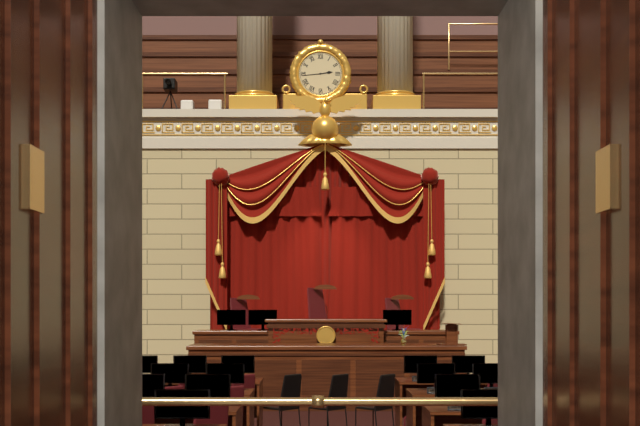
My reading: 2:44
